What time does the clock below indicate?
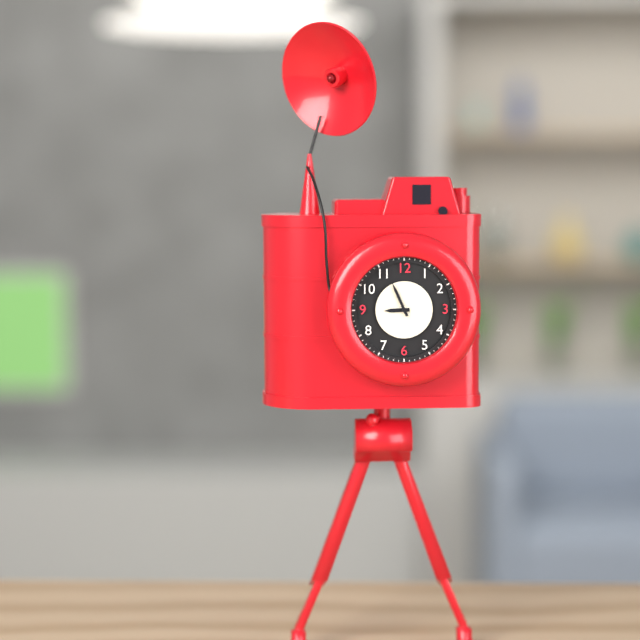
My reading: 8:56
